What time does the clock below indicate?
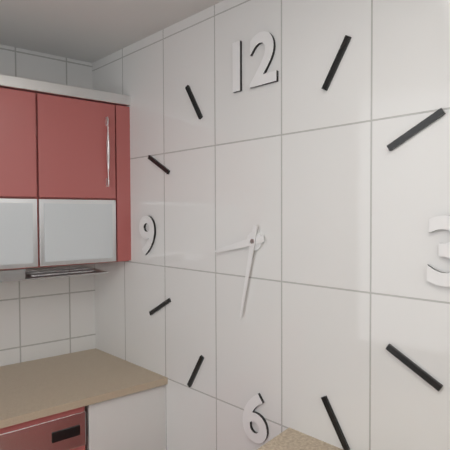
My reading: 8:32
